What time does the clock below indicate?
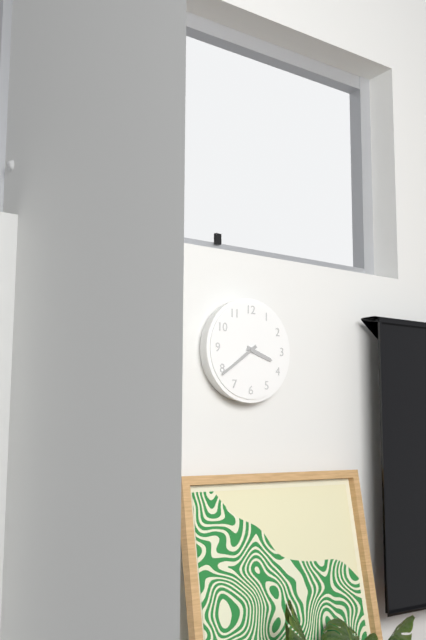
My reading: 3:39
